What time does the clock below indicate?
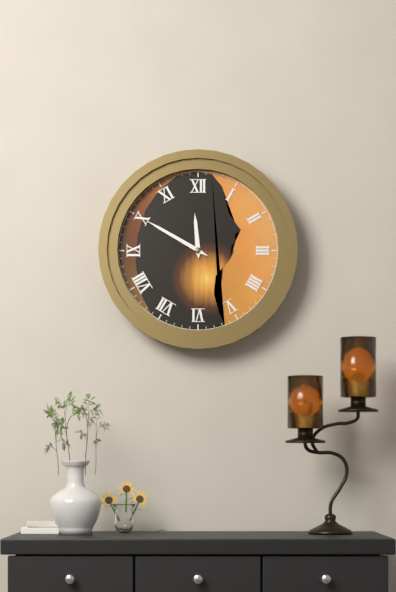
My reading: 11:50
